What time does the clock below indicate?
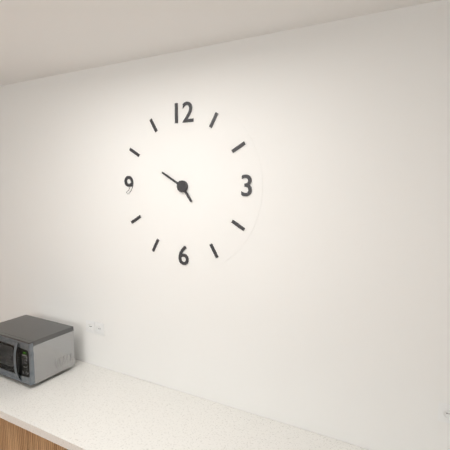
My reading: 4:50
